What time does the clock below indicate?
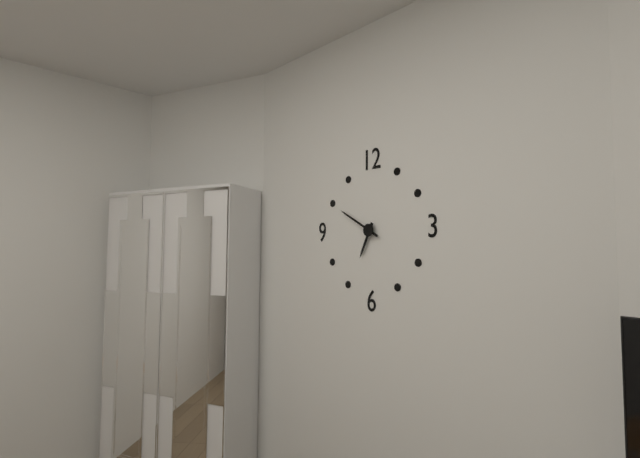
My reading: 6:50
